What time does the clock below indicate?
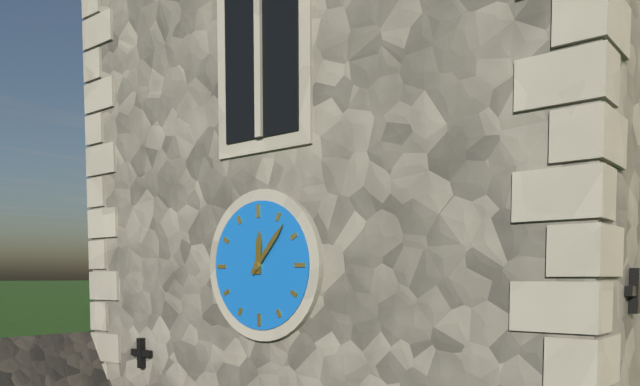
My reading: 12:07
